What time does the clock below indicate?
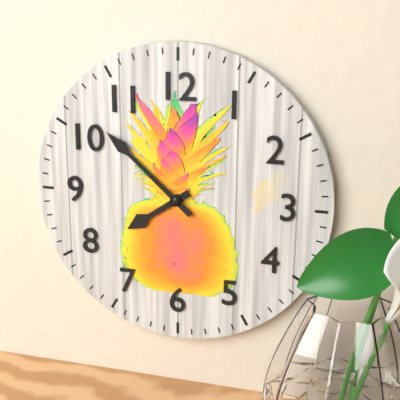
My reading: 7:52
